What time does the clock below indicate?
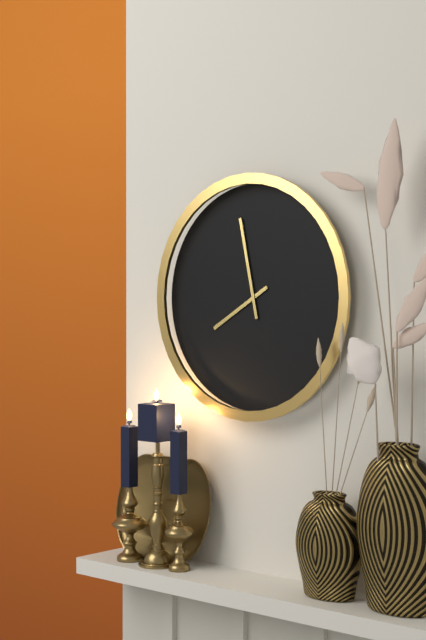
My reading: 7:58
